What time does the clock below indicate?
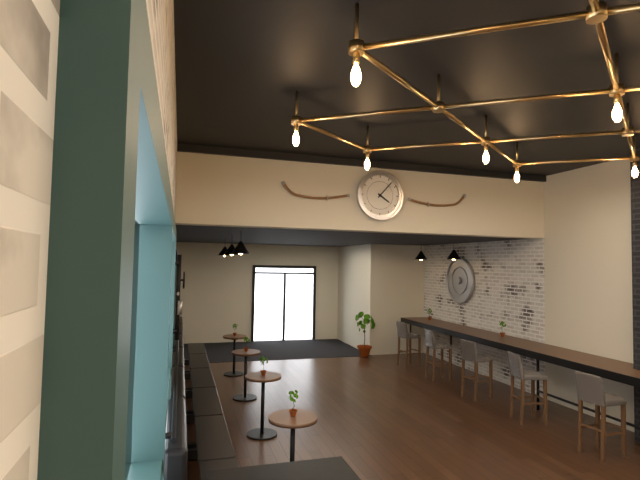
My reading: 4:07
